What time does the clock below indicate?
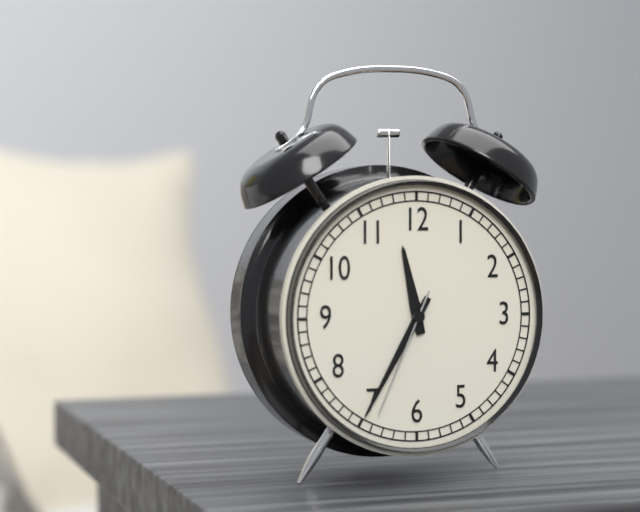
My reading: 11:35:34
